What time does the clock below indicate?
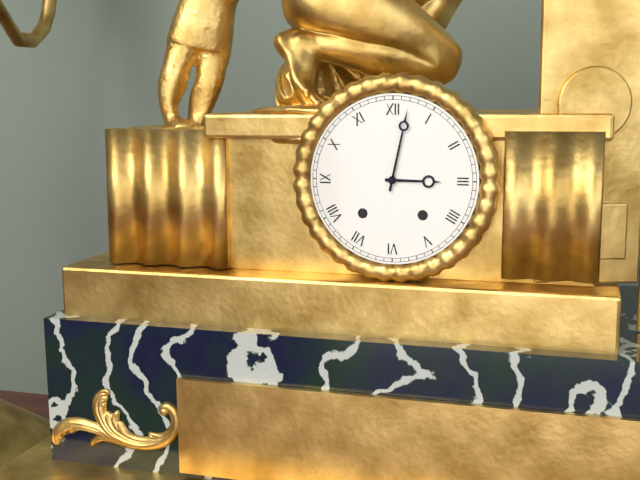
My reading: 3:02
